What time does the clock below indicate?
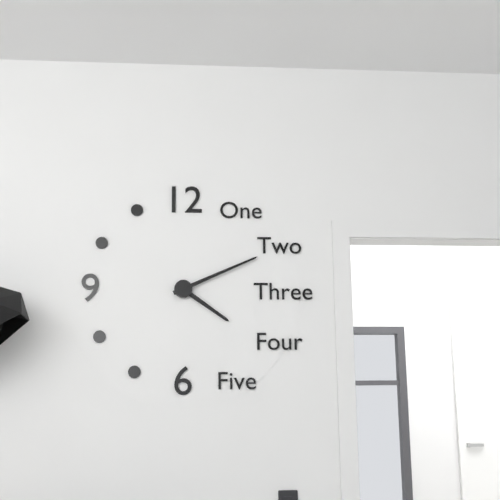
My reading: 4:11
